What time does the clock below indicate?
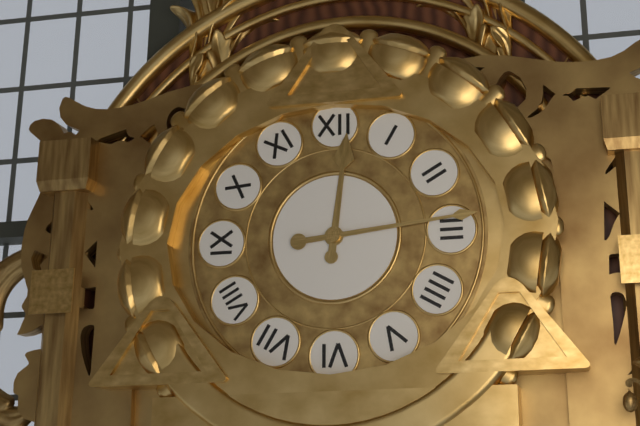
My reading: 12:14
